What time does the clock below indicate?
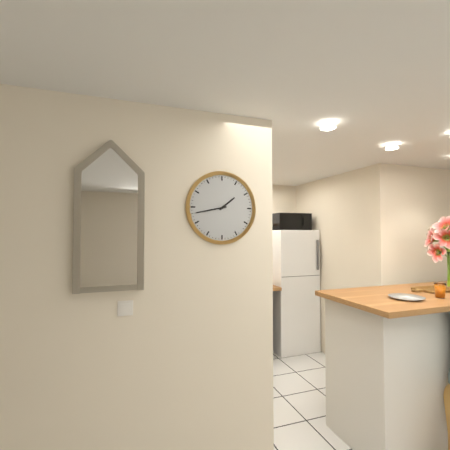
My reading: 1:43
